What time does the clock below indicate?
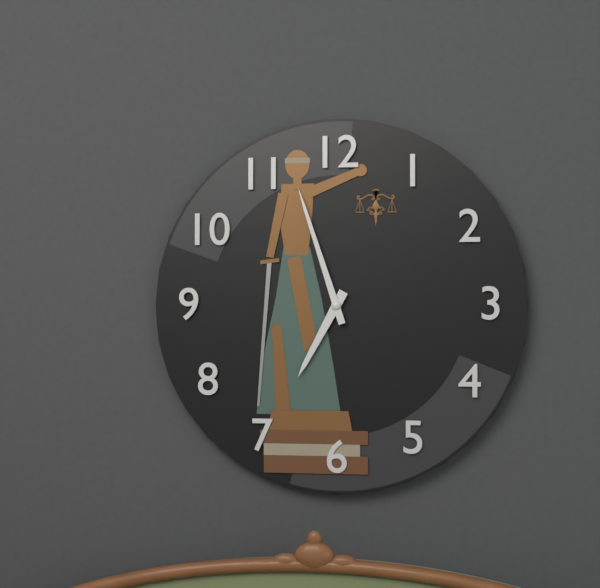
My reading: 6:57
